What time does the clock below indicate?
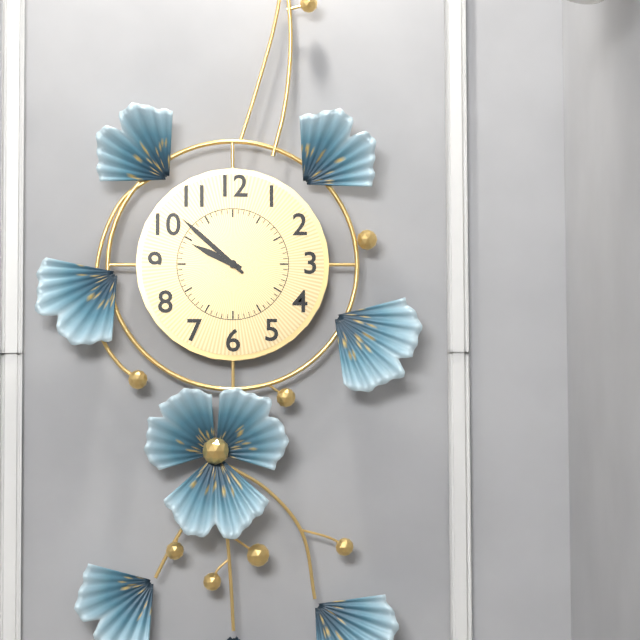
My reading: 9:52
